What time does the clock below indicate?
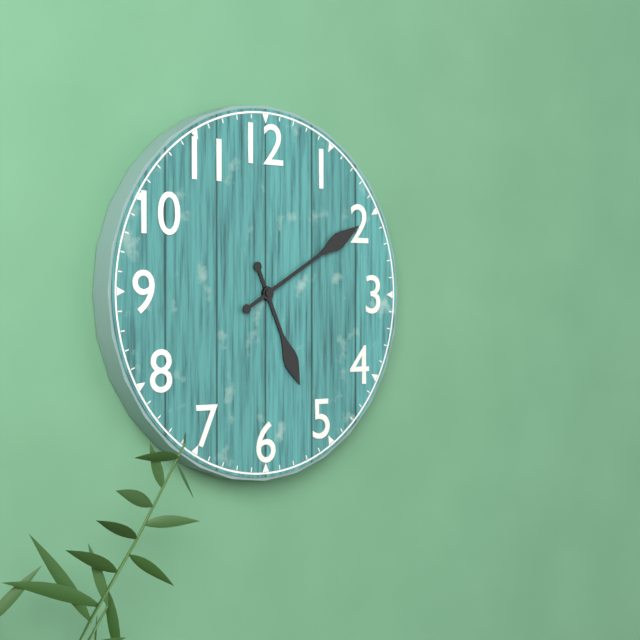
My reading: 5:10
